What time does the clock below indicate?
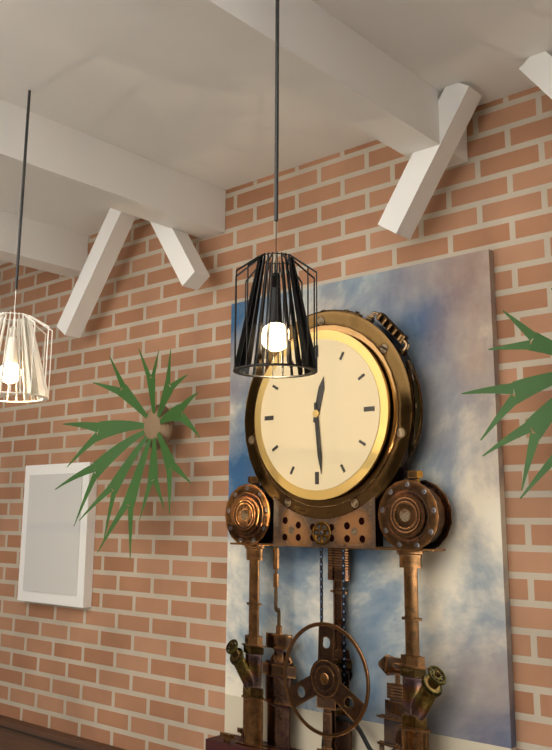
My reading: 12:29
